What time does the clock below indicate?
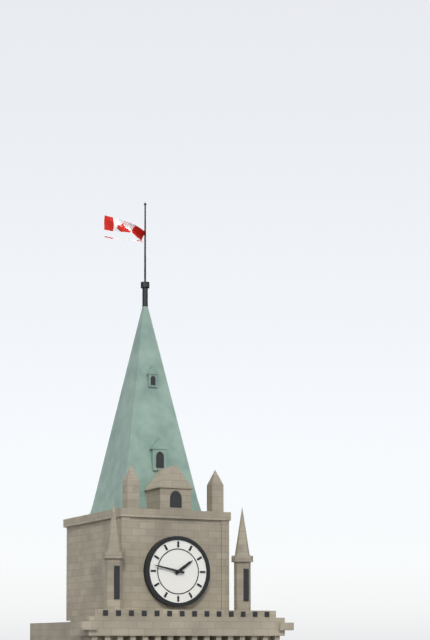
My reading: 1:47
